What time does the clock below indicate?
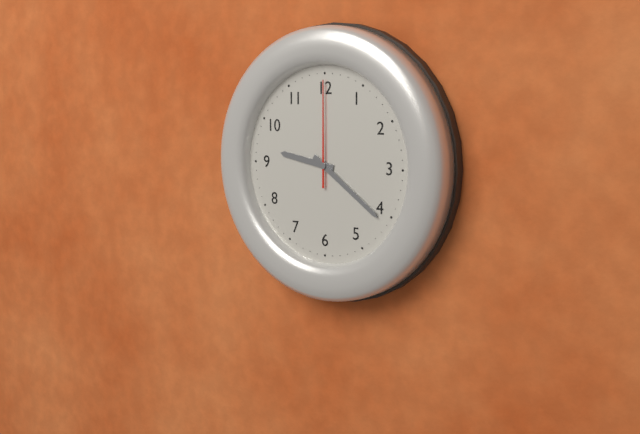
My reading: 9:21:00
